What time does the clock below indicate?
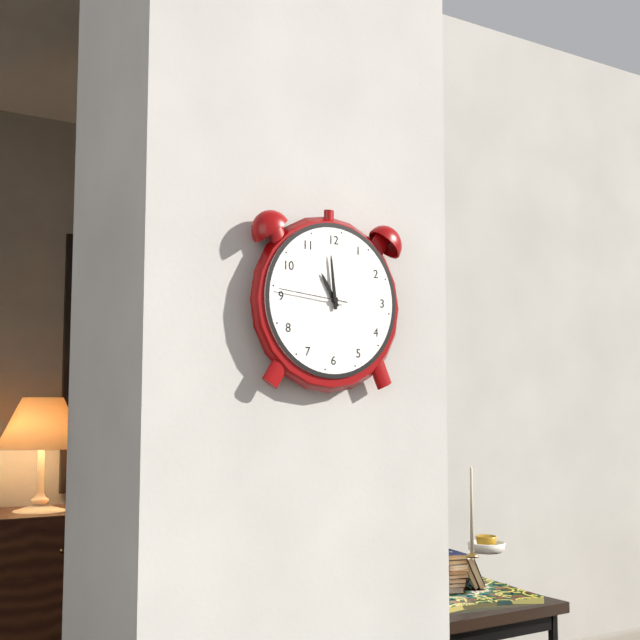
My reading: 10:59:46
